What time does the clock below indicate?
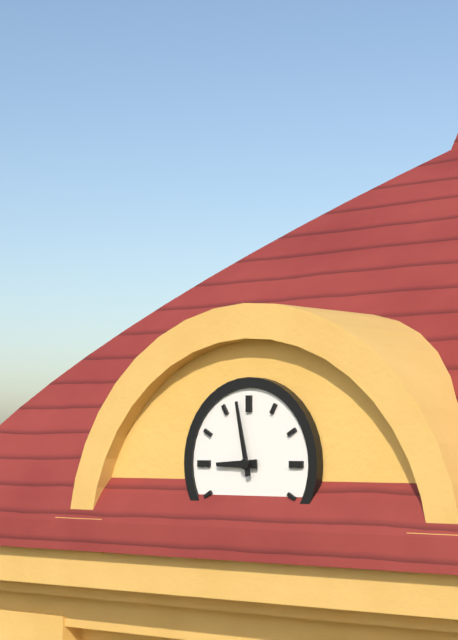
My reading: 8:58
